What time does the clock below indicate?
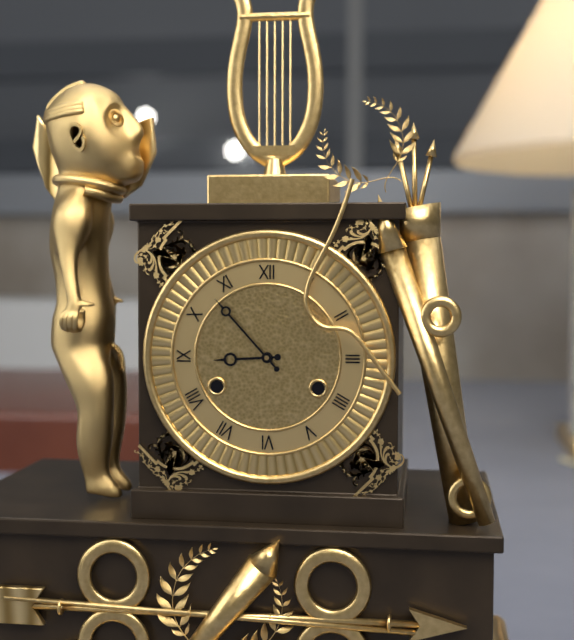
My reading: 8:53
